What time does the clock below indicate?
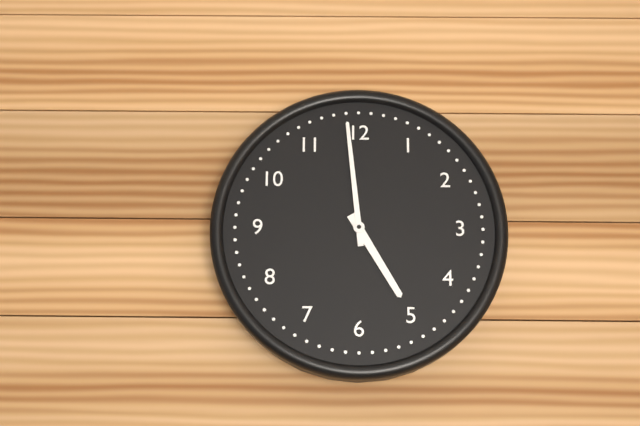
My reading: 4:59
